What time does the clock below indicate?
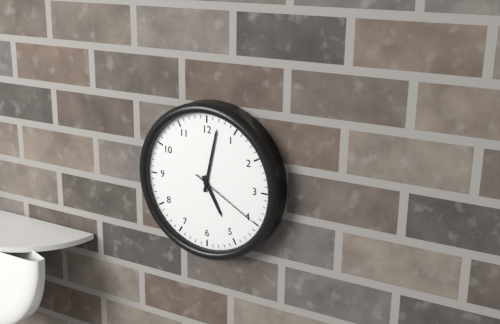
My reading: 5:02:20
